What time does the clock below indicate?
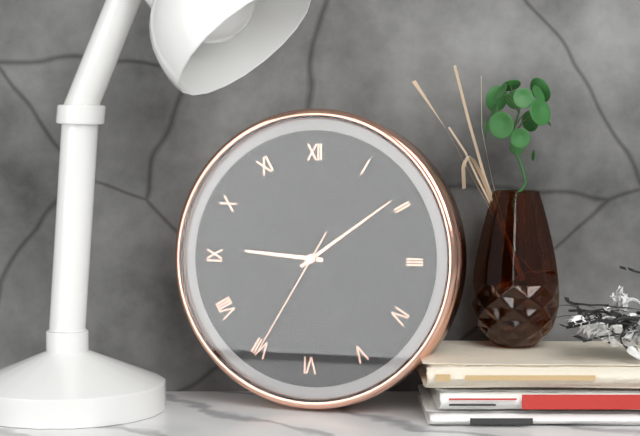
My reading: 9:09:35
